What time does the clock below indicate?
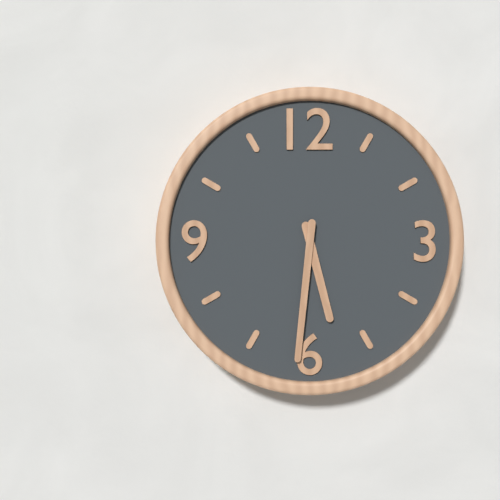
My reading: 5:31
